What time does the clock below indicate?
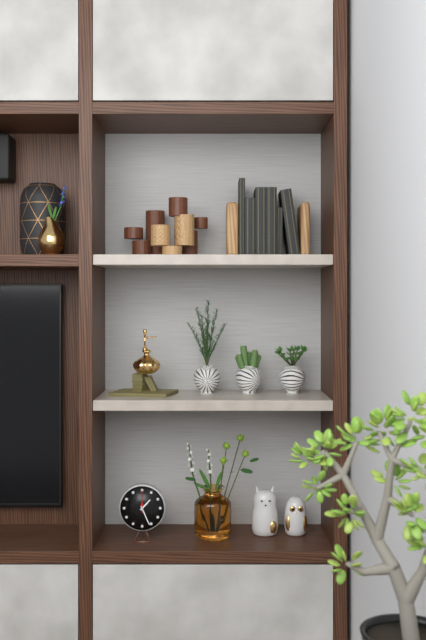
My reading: 1:26
